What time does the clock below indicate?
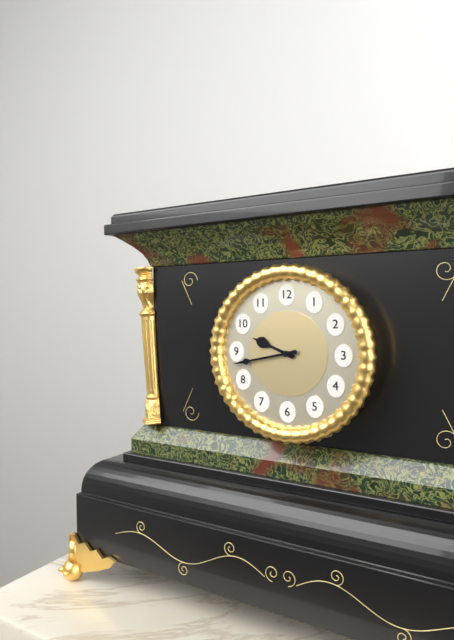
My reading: 9:43
